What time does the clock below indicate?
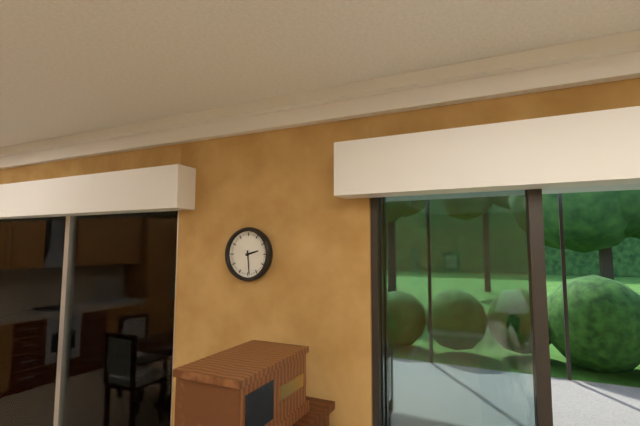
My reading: 2:29
